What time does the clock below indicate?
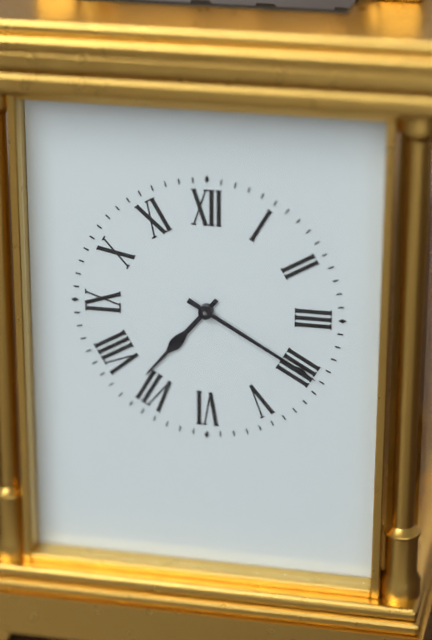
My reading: 7:20
